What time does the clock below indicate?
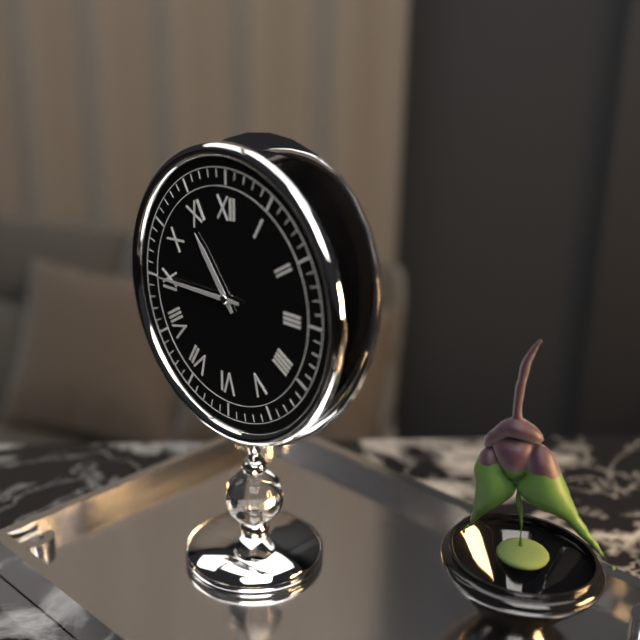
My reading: 10:45
